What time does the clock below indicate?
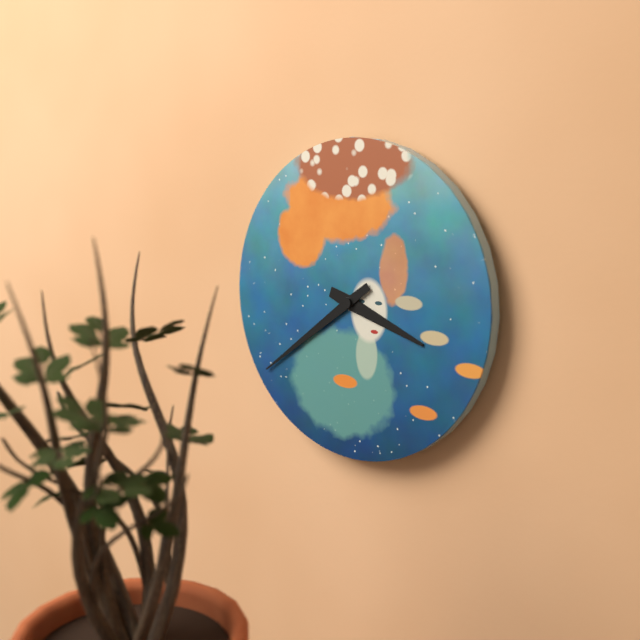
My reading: 3:39
